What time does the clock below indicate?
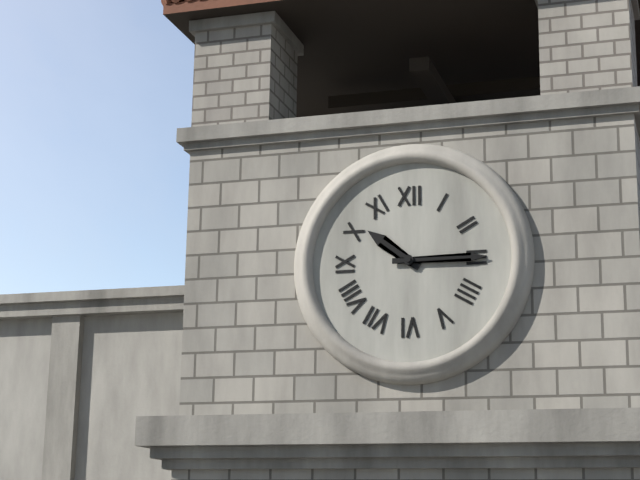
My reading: 10:15
